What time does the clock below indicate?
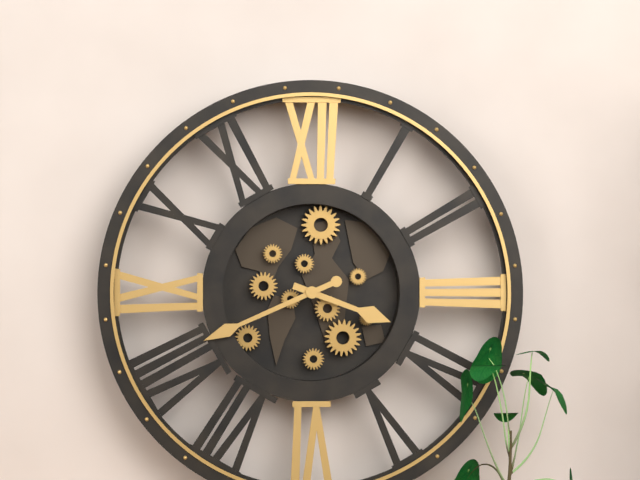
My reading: 3:41
